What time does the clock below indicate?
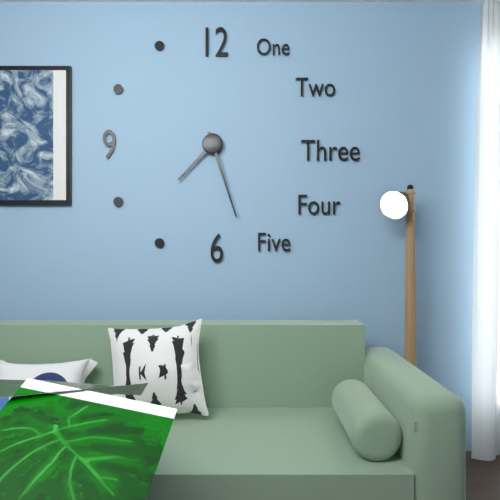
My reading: 7:27
